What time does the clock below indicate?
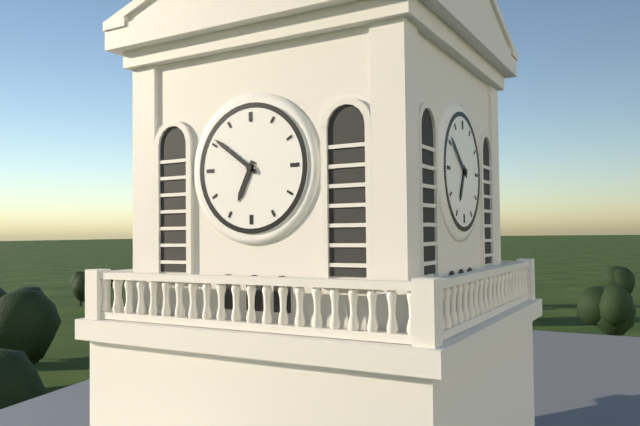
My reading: 6:51
